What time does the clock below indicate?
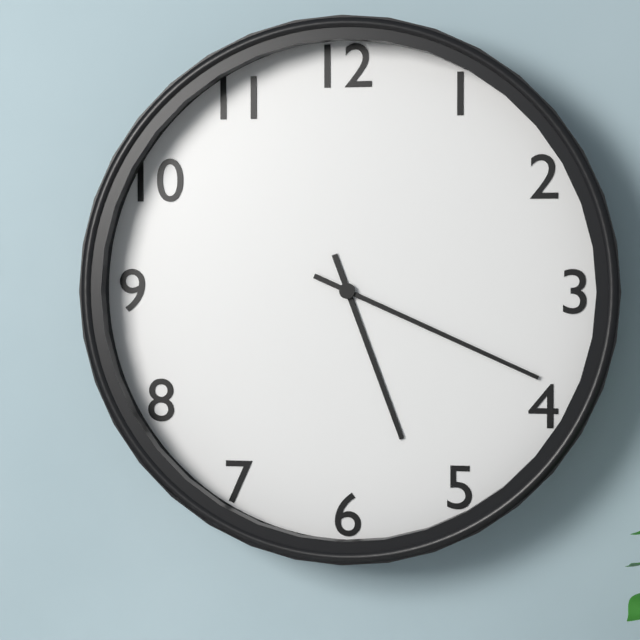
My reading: 5:19
